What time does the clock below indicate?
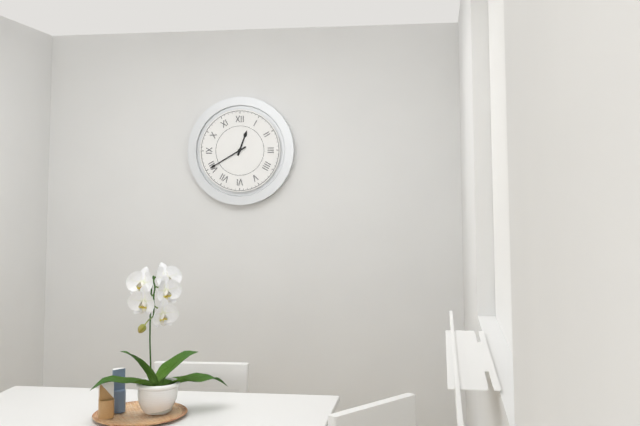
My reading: 12:40
